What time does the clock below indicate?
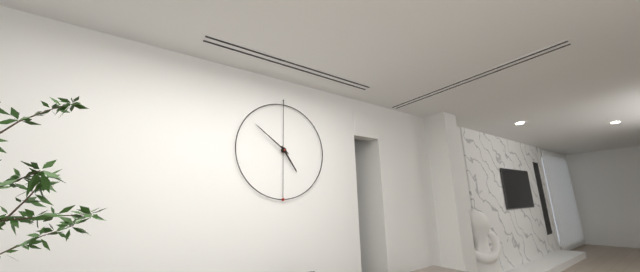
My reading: 4:51
